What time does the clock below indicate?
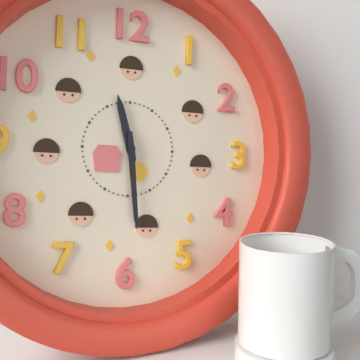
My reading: 11:29
